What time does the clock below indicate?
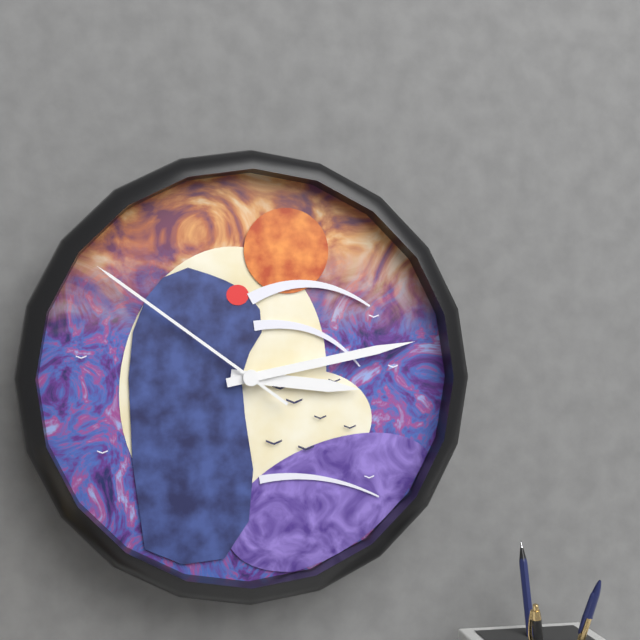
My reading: 3:13:51
